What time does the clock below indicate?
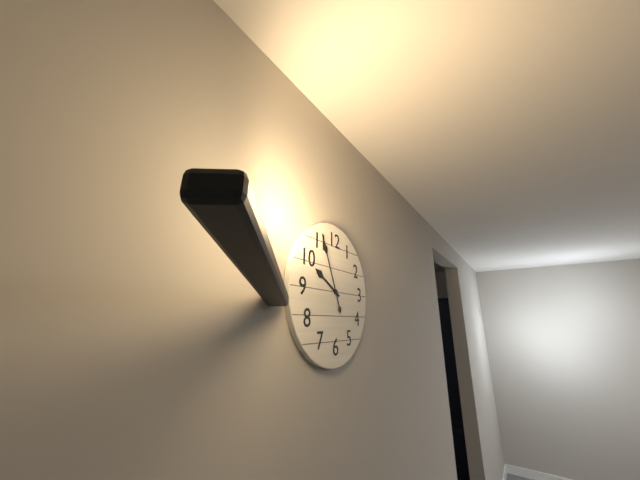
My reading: 9:56
